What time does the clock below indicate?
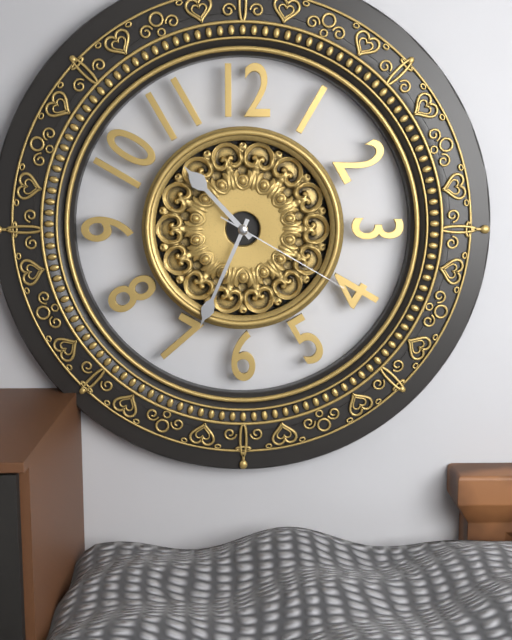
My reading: 10:34:20
